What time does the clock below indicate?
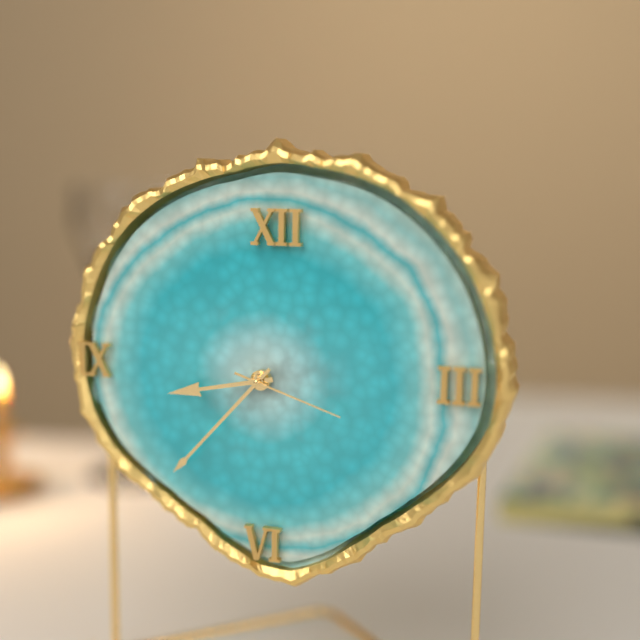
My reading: 8:37:18
